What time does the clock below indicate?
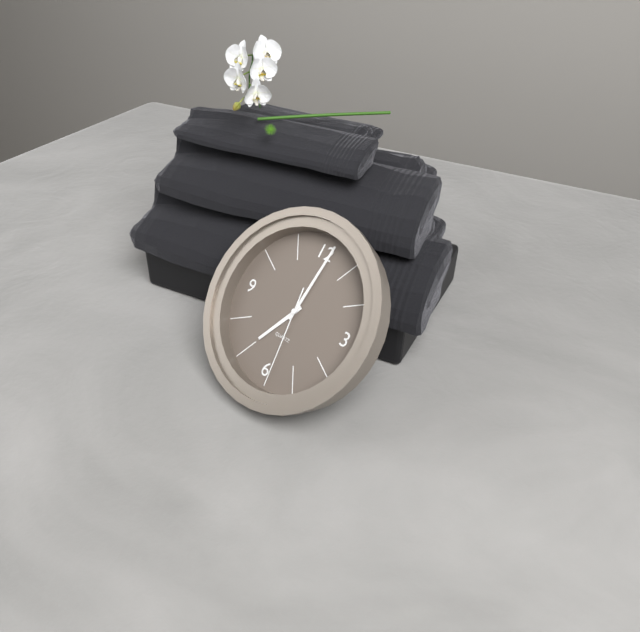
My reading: 7:01:29
